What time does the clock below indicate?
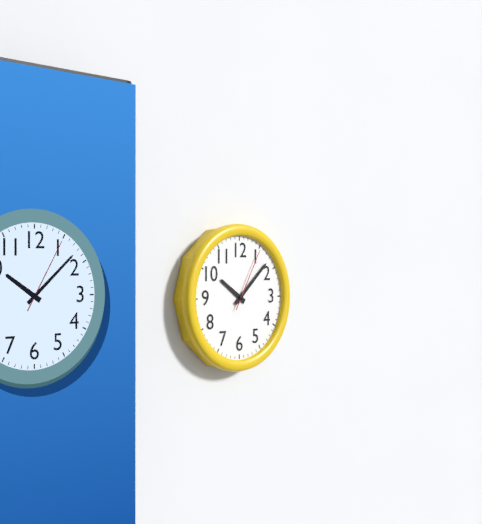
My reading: 10:08:05
